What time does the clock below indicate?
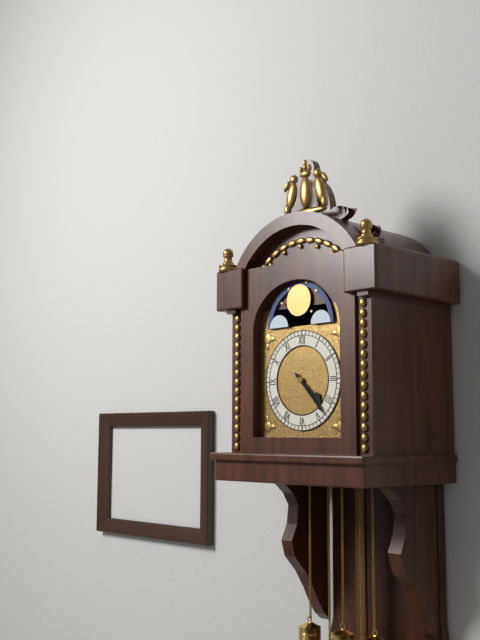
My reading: 4:23
